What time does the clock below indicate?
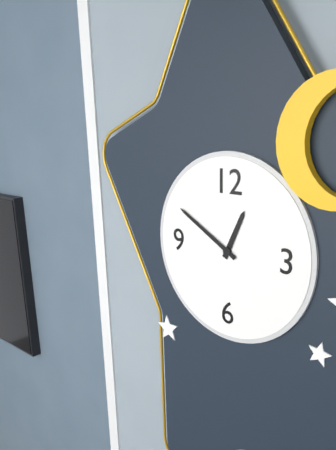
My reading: 12:50
